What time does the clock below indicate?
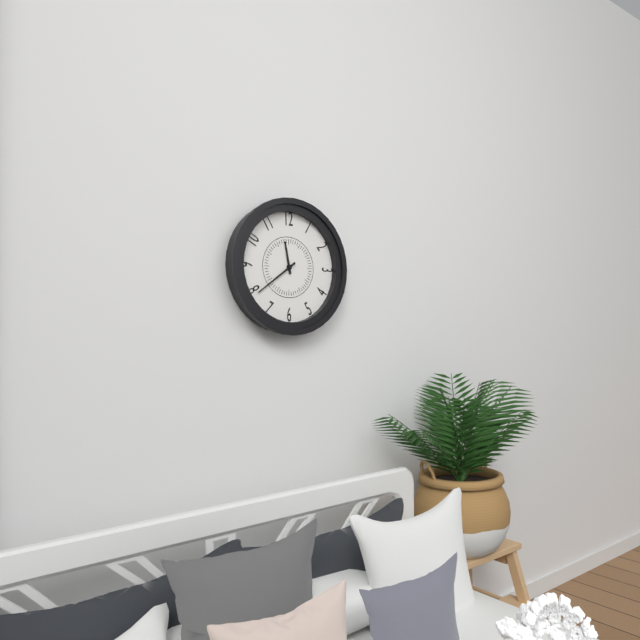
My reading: 11:39
